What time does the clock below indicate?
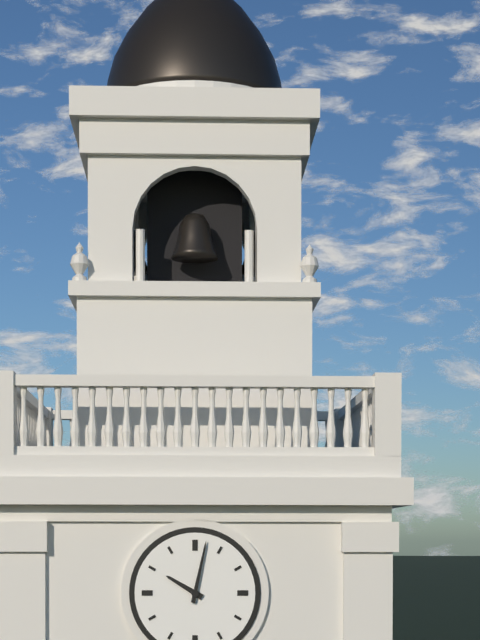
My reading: 10:02
